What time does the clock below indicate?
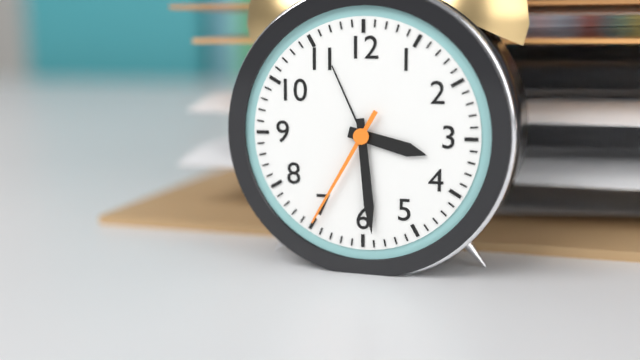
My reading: 3:29:35
